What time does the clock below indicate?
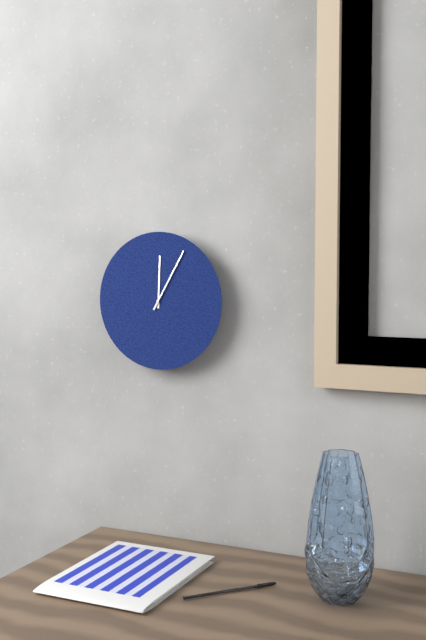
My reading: 12:05
